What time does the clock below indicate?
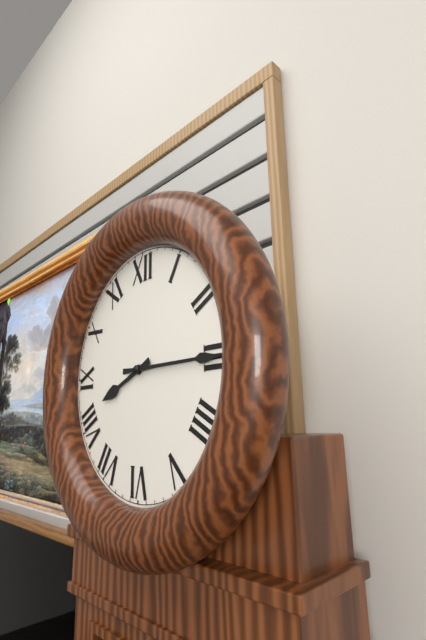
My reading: 8:15
